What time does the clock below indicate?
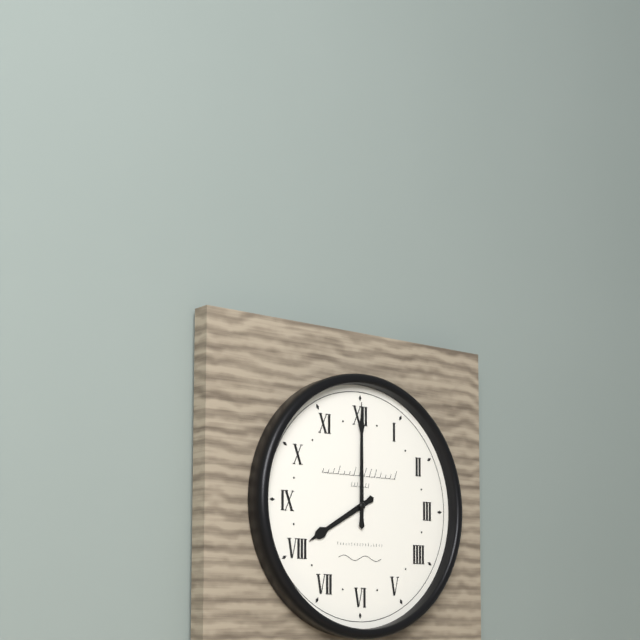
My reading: 8:00
